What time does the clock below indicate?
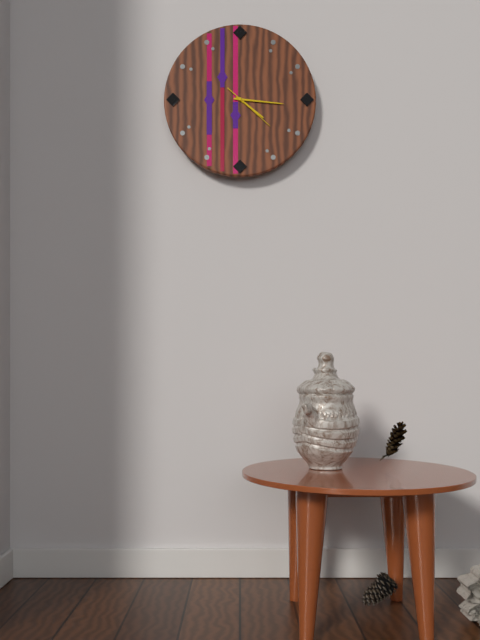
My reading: 4:16
